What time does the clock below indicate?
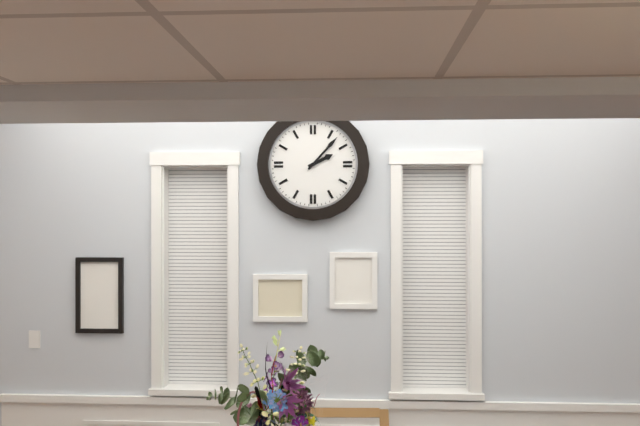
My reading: 2:07
